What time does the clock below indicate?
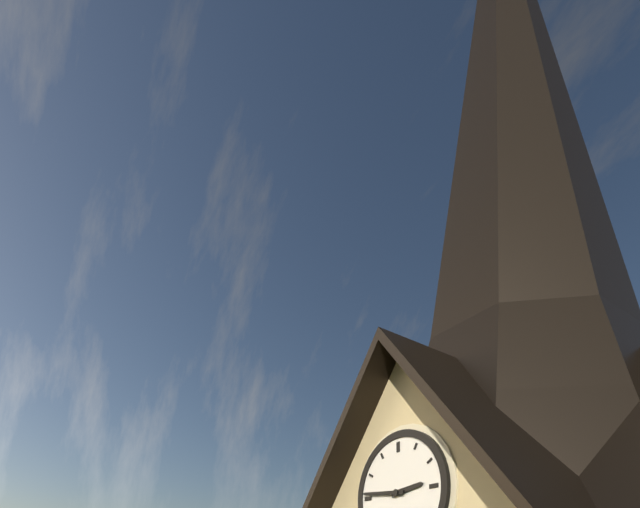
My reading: 2:46
